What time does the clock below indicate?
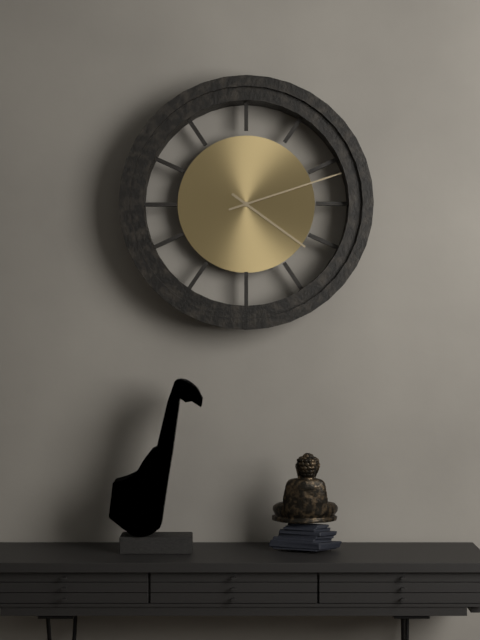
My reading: 4:12
